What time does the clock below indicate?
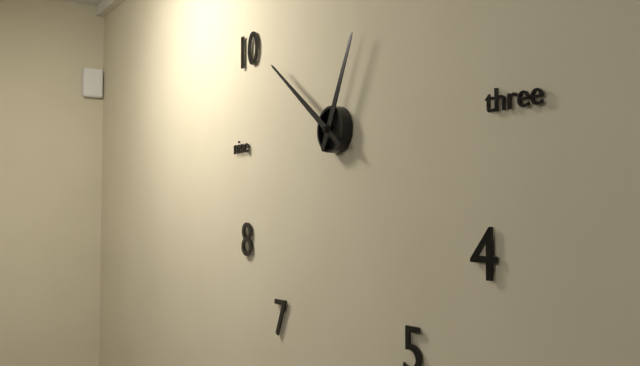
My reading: 12:51
